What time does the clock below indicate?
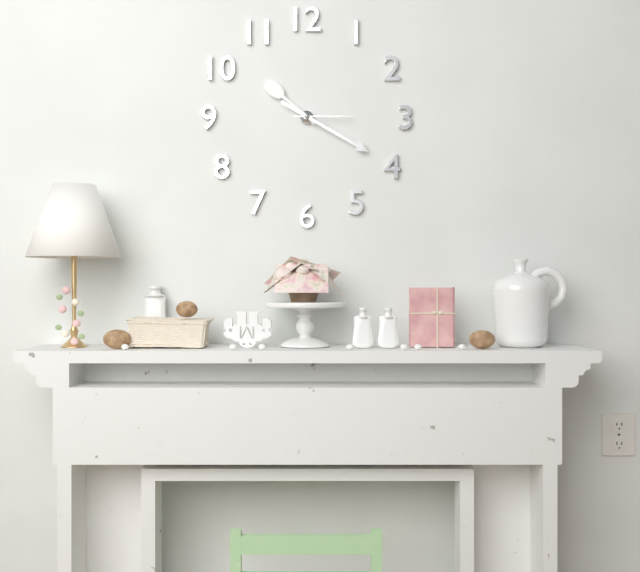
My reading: 10:20:15
